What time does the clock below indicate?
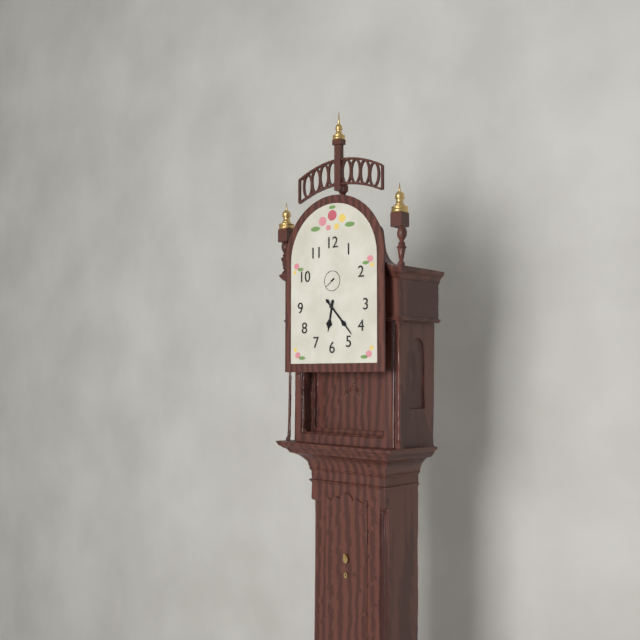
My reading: 6:23
